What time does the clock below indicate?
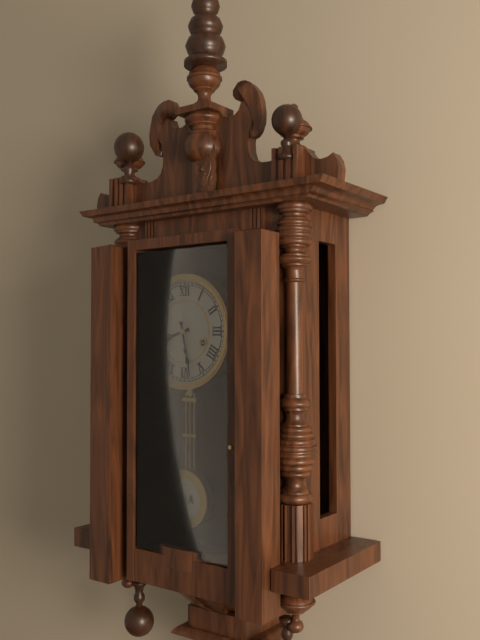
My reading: 8:28
